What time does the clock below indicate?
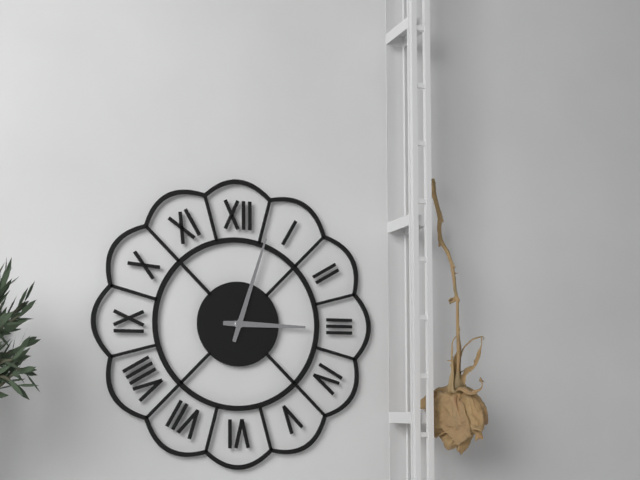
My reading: 3:03
